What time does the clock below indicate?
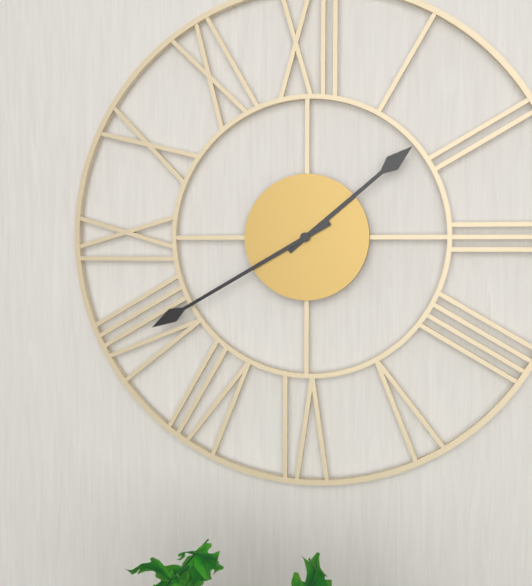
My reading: 1:40
